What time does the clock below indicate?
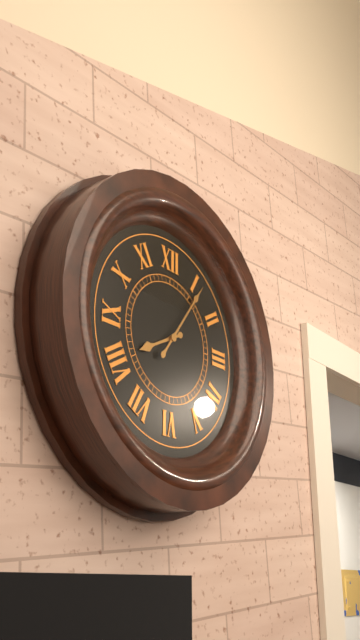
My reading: 8:06
